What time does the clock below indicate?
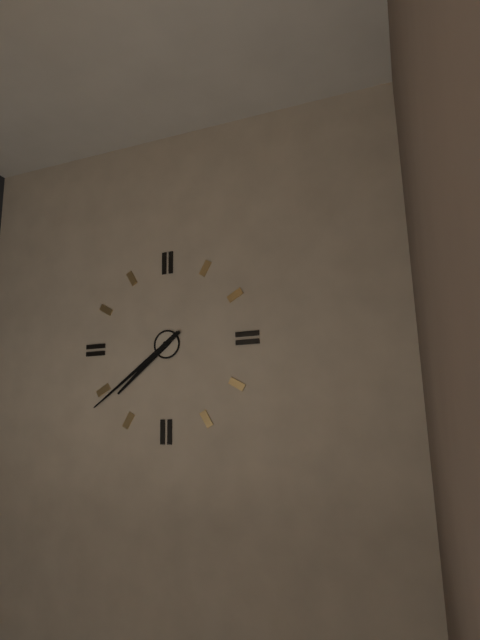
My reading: 7:39
